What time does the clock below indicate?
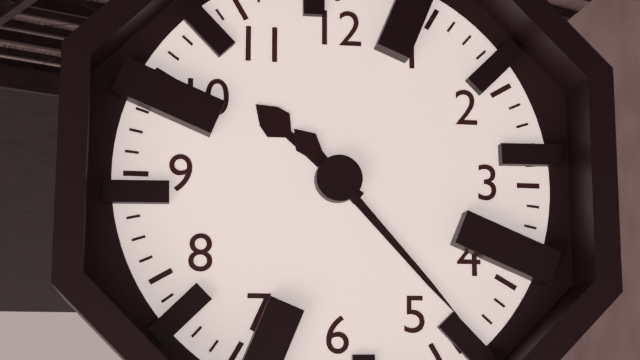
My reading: 10:23
